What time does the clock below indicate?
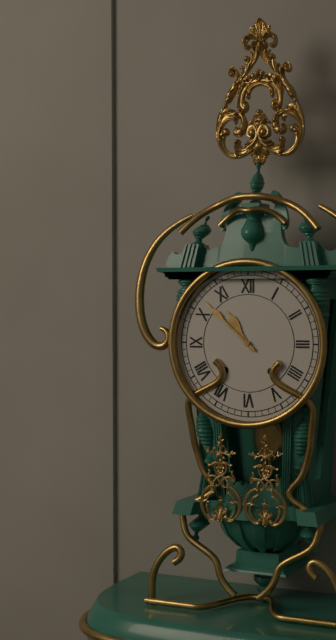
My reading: 10:52
